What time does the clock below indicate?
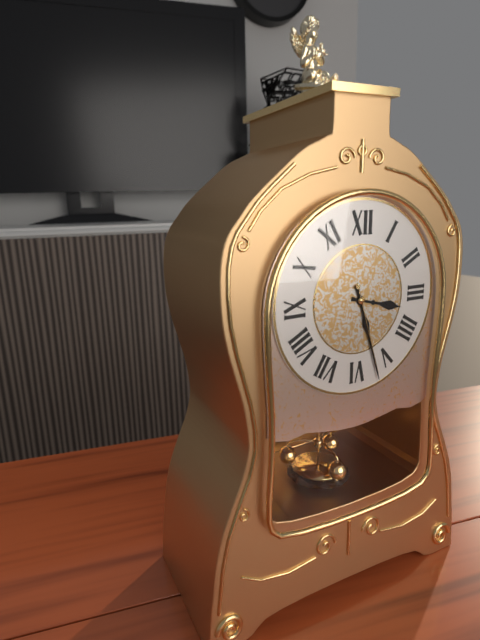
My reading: 3:27:27
